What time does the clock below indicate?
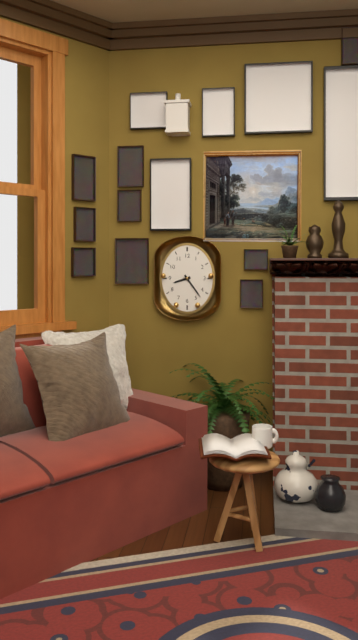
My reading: 8:24
